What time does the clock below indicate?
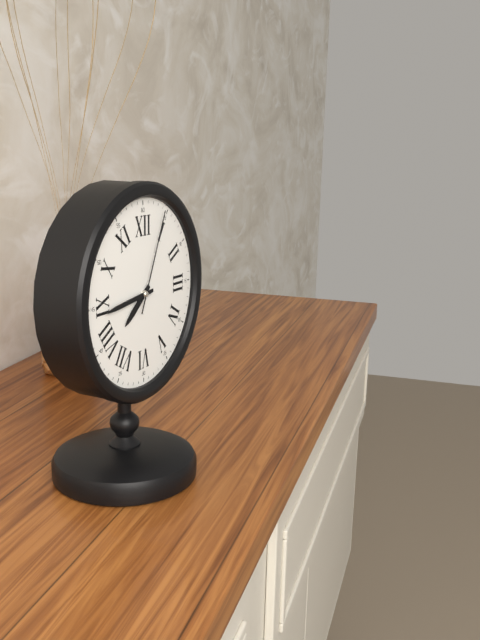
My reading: 7:44:04
